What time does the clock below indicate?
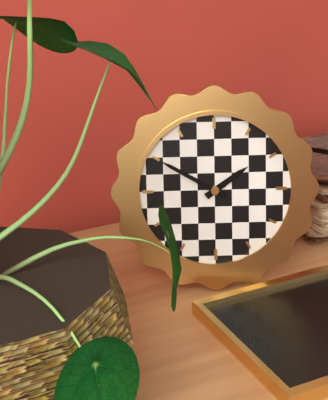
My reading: 1:50
